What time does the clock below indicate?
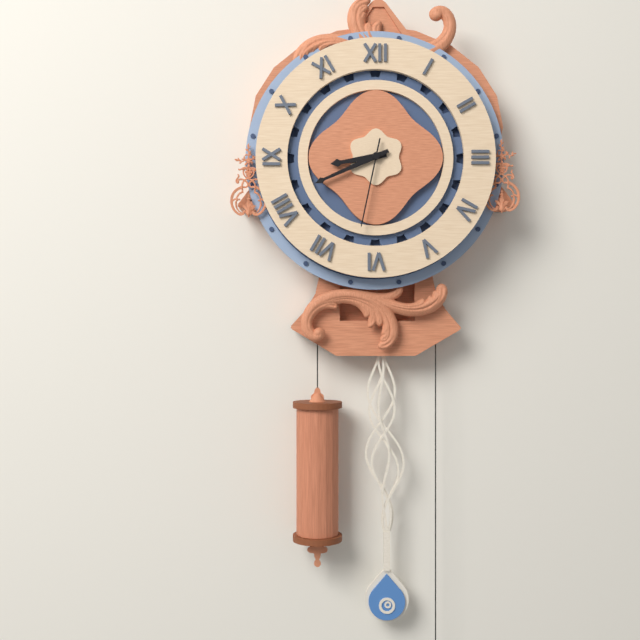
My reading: 8:41:32
